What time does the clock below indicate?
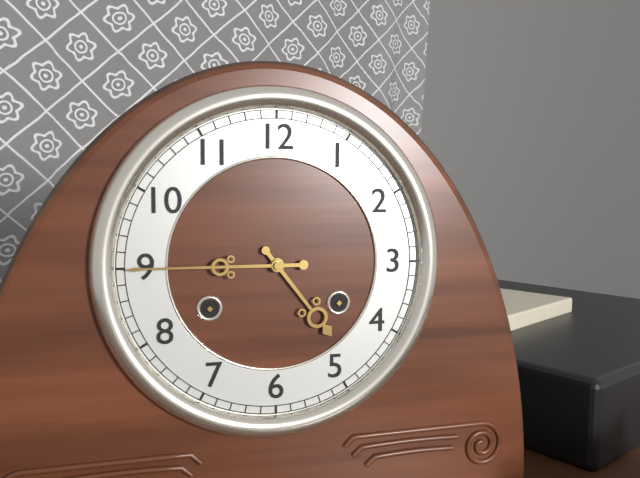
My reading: 4:45
